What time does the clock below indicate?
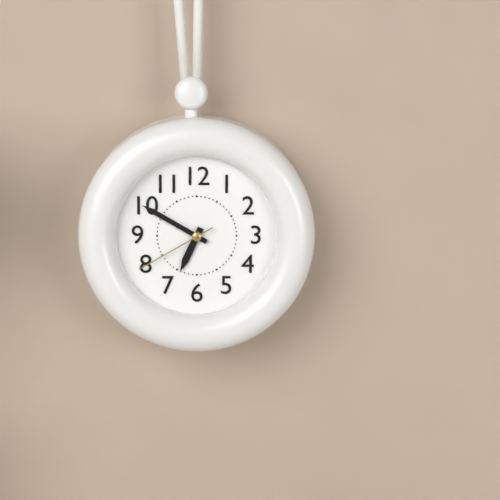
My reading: 6:50:40
